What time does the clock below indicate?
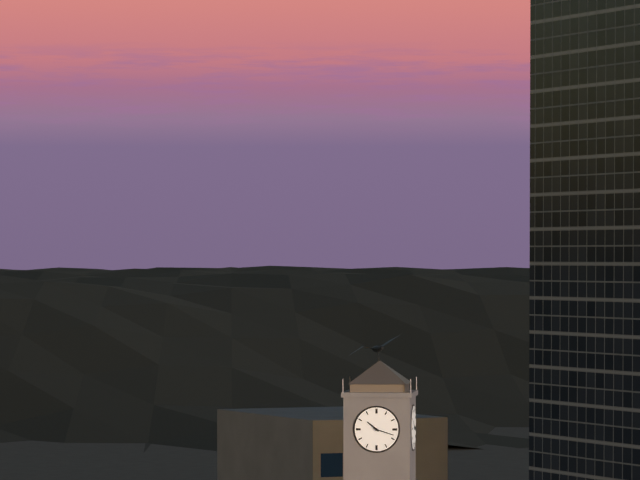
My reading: 10:18
